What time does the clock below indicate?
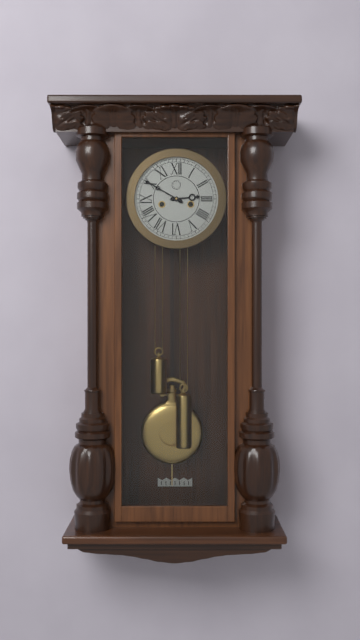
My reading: 2:50
